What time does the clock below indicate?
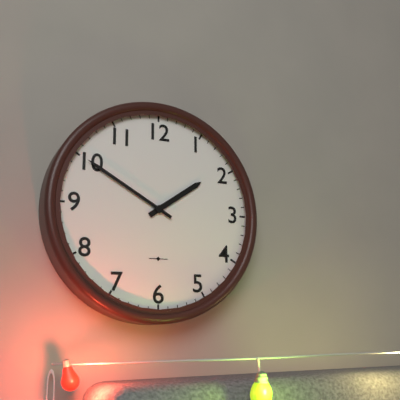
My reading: 1:50
